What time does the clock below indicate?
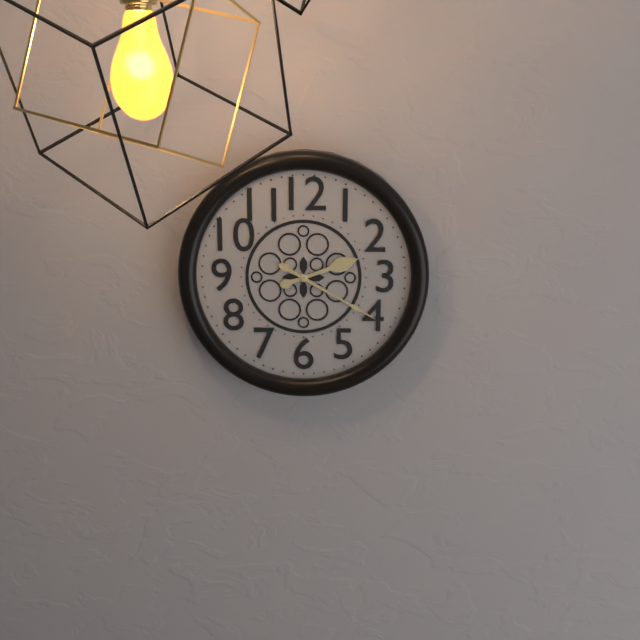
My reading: 2:20
